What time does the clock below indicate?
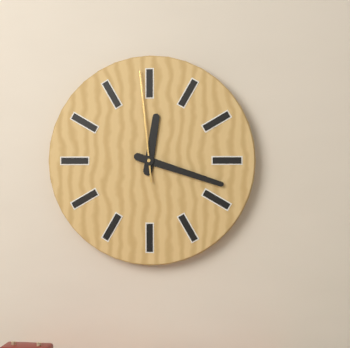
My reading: 12:18:59
